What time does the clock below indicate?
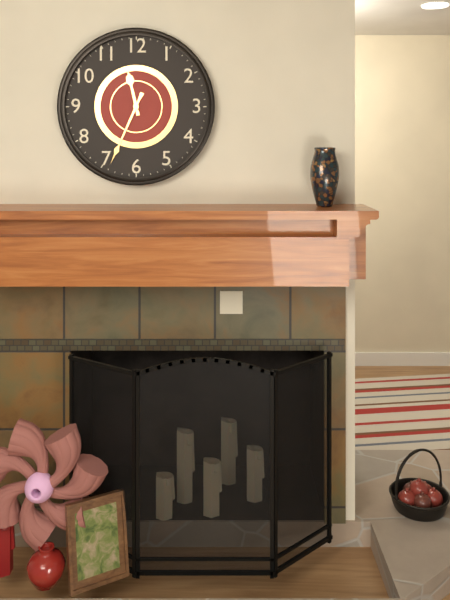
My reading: 11:34
